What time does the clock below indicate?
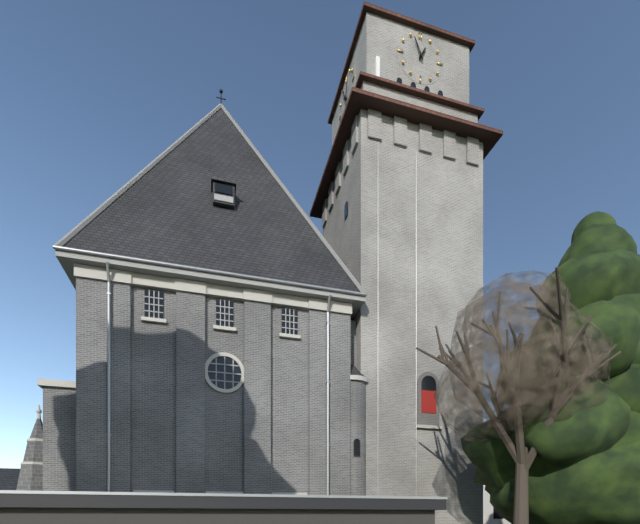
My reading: 12:56
